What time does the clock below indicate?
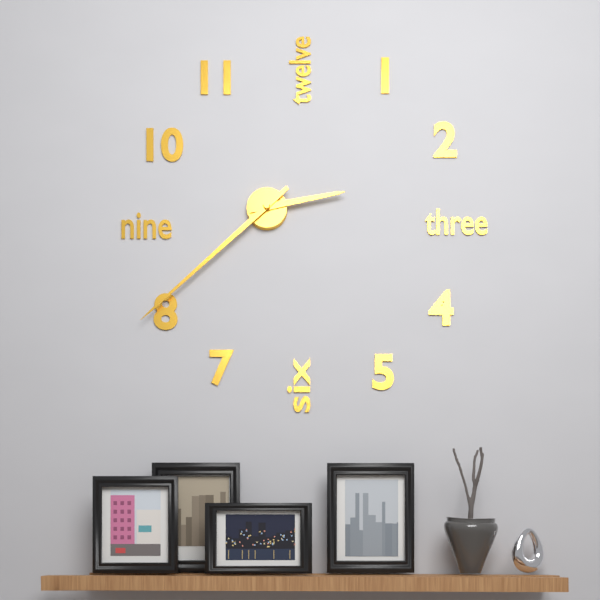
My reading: 2:38
